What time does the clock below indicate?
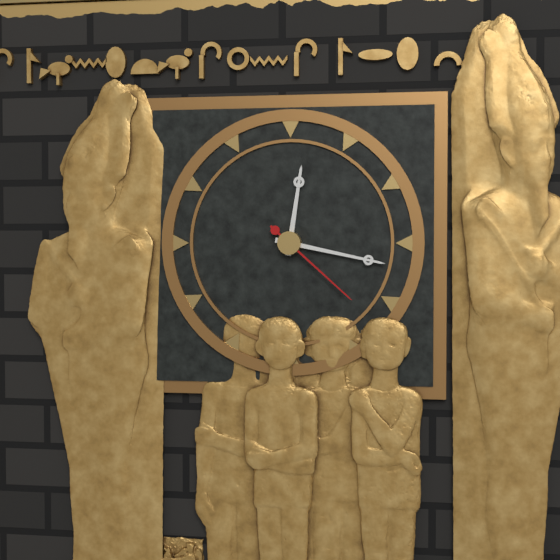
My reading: 12:17:22
